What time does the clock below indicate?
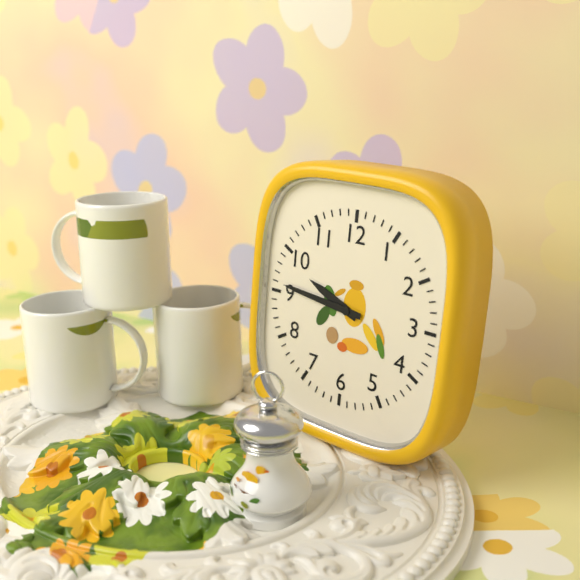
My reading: 9:46
